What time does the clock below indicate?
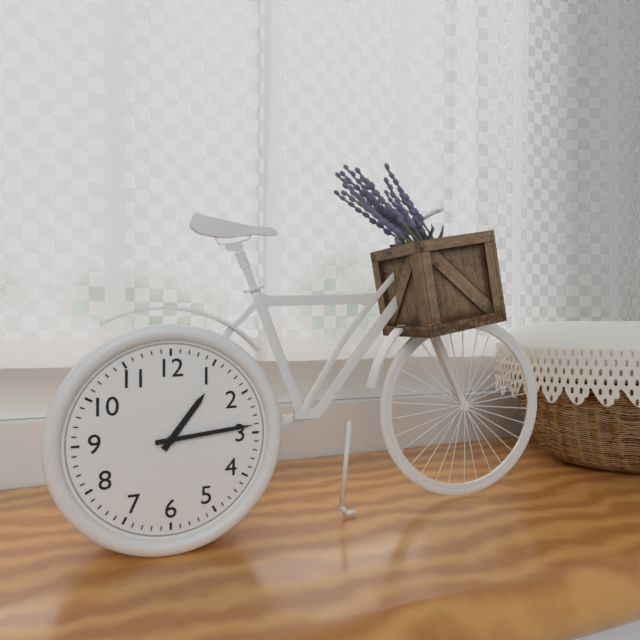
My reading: 1:14
